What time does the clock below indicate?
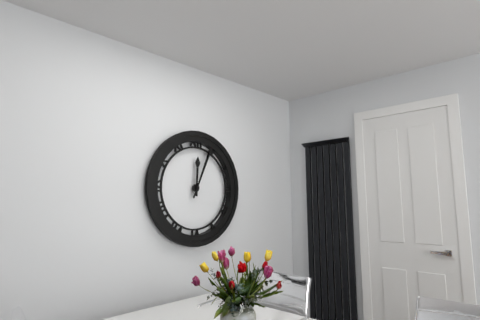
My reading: 12:04
